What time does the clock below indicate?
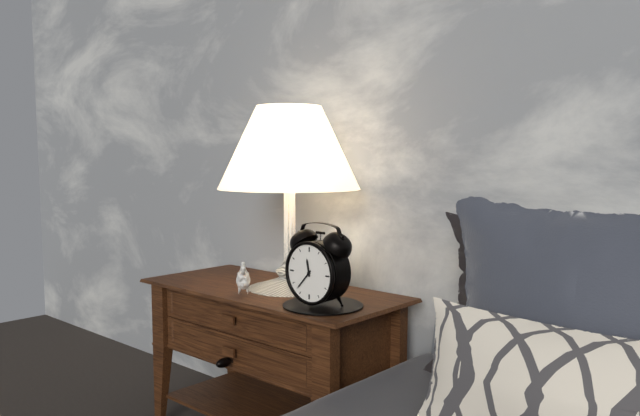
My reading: 11:37
